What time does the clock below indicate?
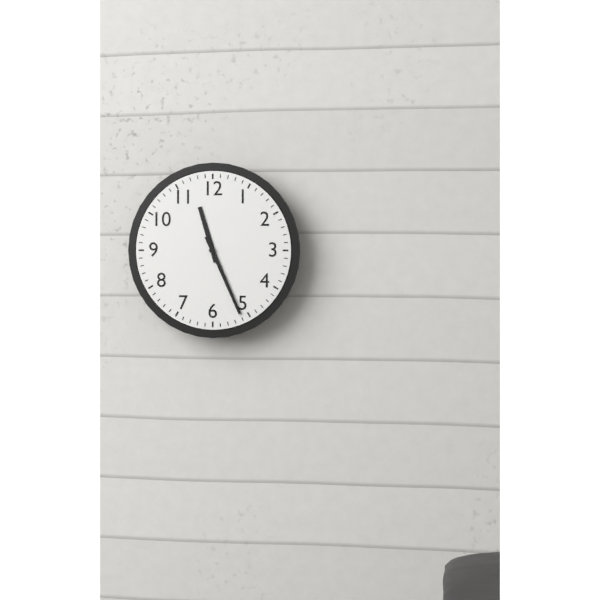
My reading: 11:26
